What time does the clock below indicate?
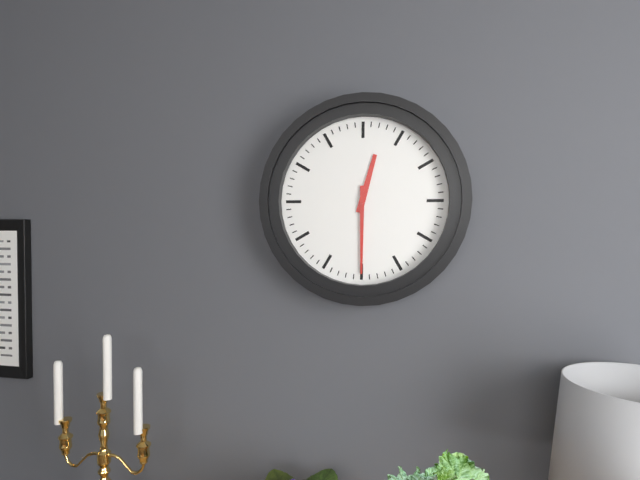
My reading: 12:30
